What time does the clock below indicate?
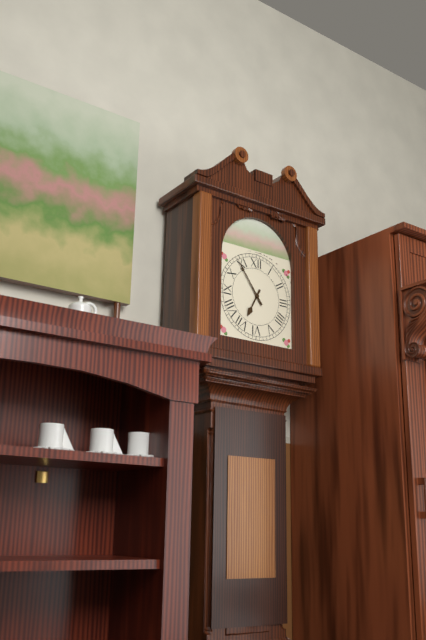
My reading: 6:54
